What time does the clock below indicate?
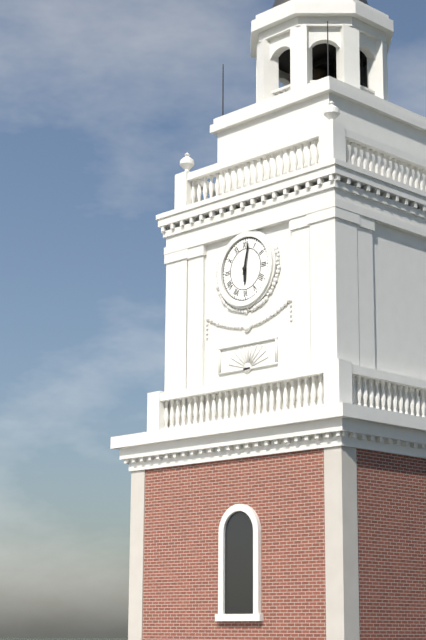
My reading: 6:02
